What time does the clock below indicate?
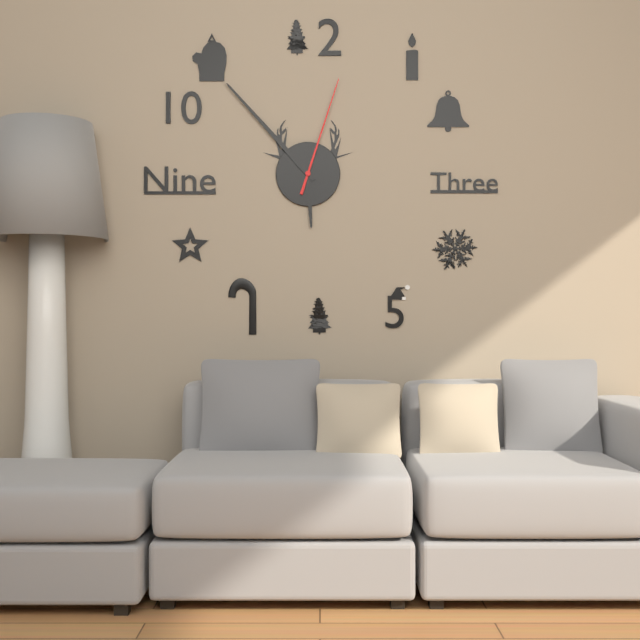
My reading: 5:53:03
